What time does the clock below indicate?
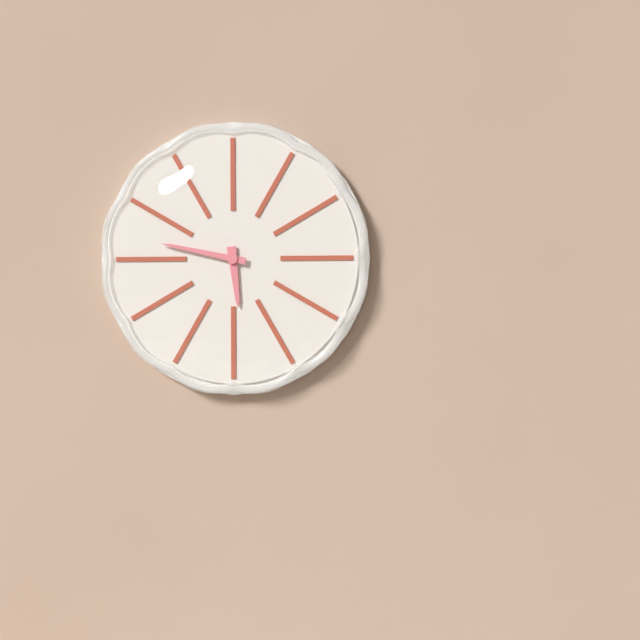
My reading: 5:47
